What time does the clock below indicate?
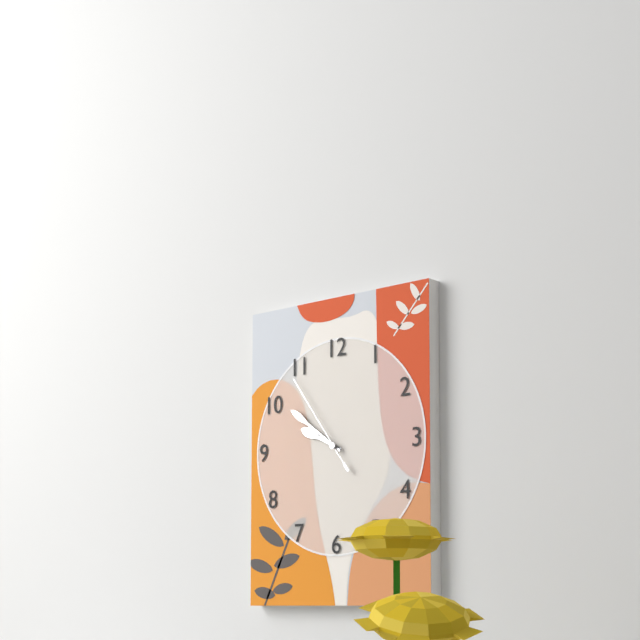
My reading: 9:51:54
